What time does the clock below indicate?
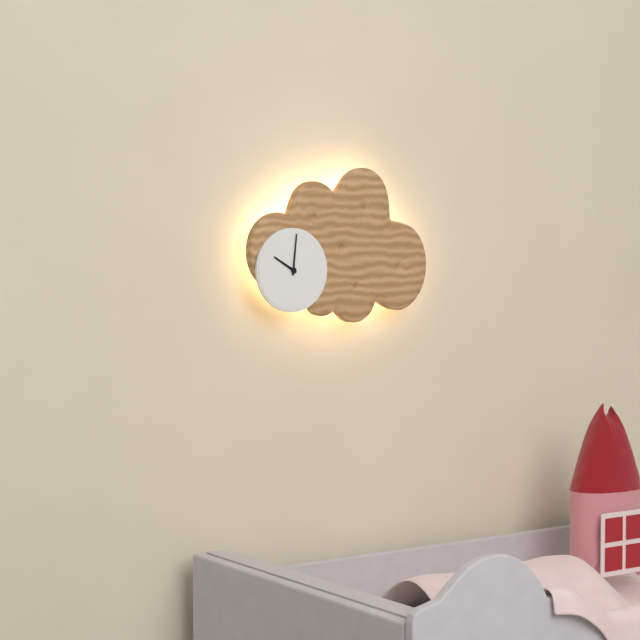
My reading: 10:01
